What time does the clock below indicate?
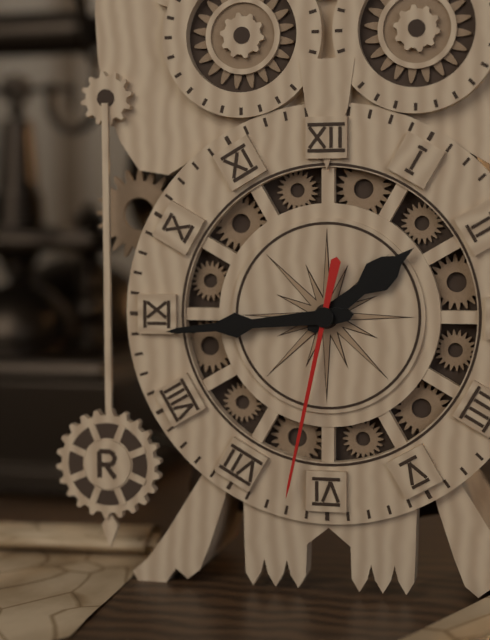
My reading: 1:44:32
